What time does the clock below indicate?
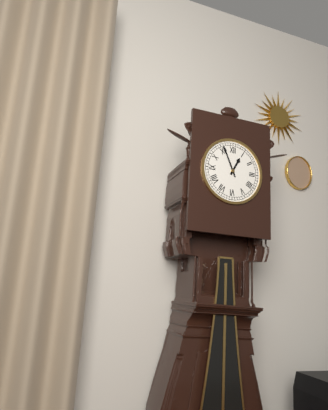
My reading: 12:56
